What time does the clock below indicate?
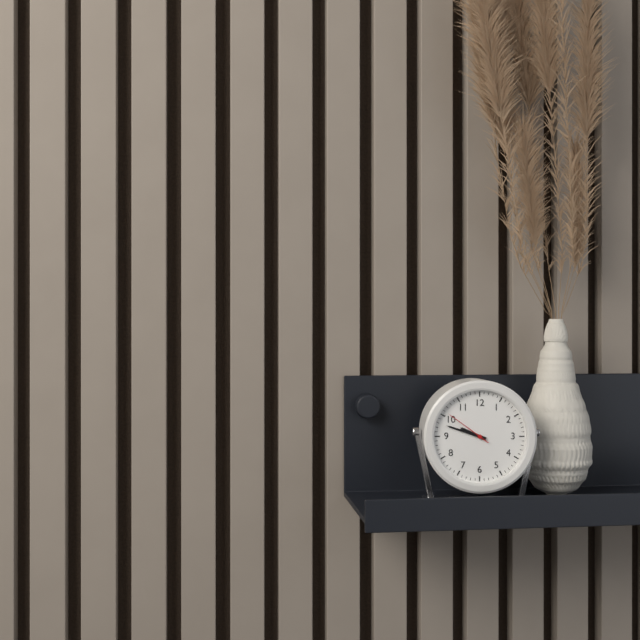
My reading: 9:48
